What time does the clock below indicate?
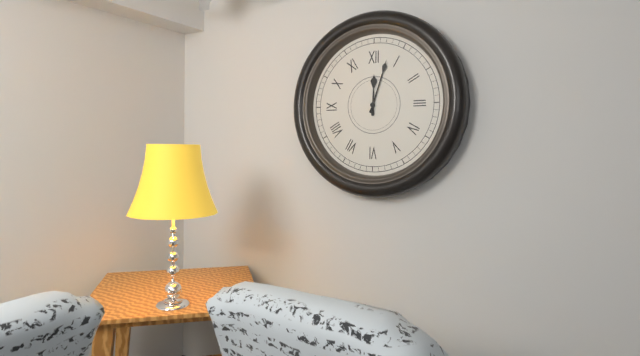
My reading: 12:03
